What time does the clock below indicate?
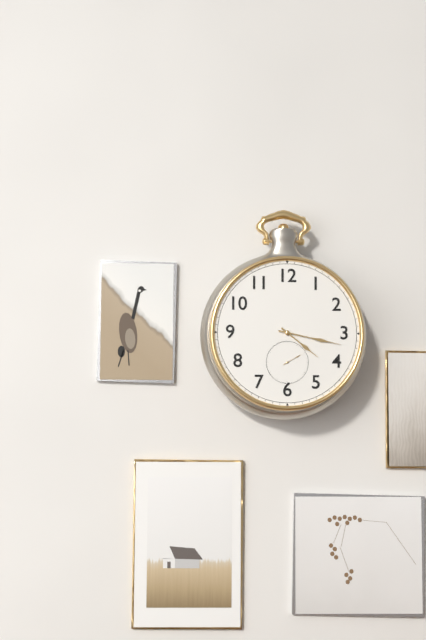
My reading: 4:17
